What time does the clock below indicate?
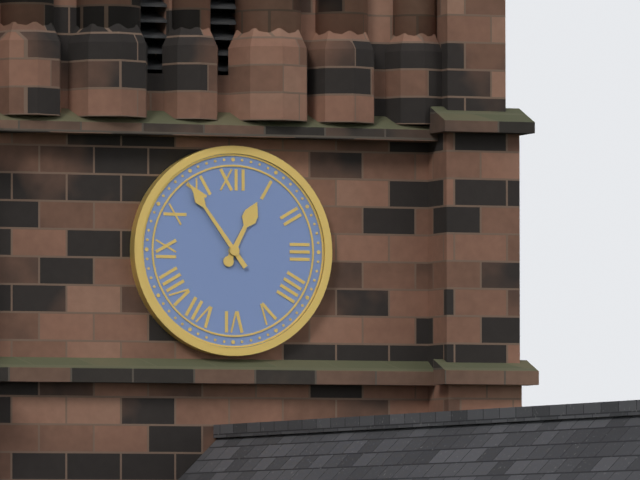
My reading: 12:54
